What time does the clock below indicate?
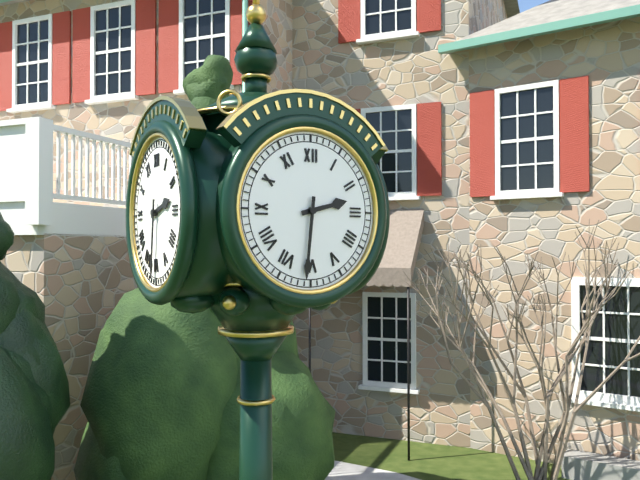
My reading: 2:31
